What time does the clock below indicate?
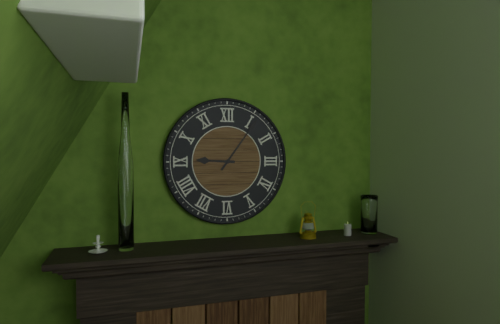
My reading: 9:06
